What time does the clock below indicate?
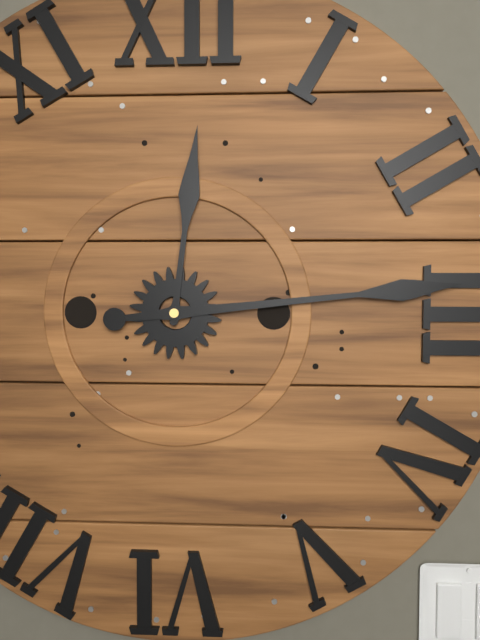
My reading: 12:14
